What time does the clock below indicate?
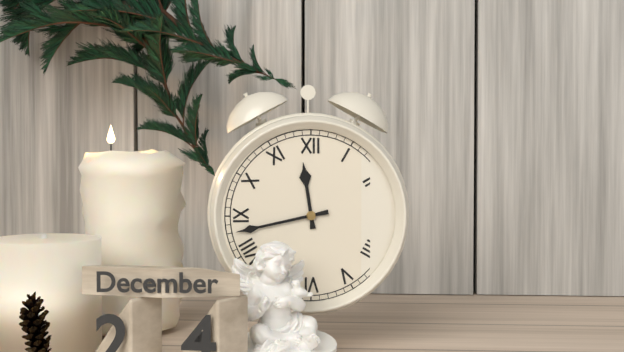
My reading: 11:43
